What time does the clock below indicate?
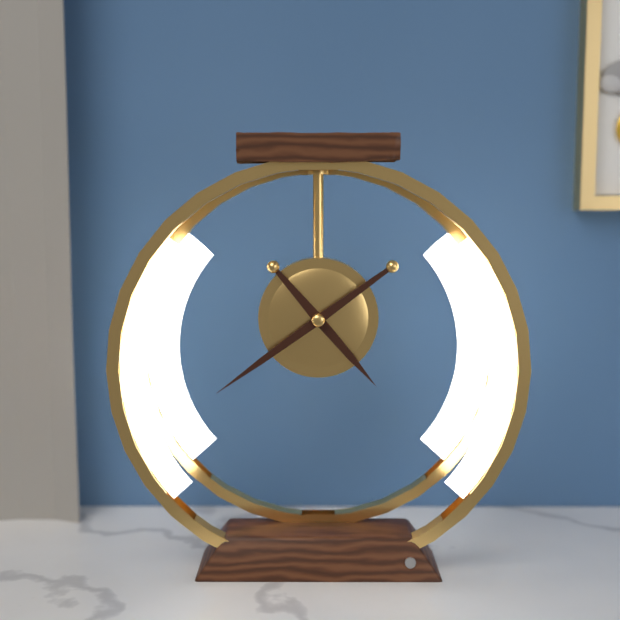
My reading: 4:39
